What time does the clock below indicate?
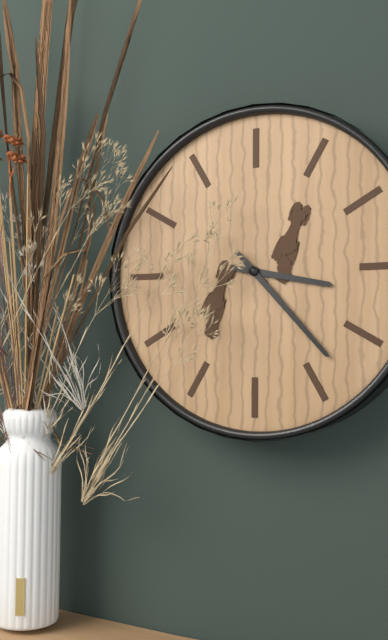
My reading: 3:23
